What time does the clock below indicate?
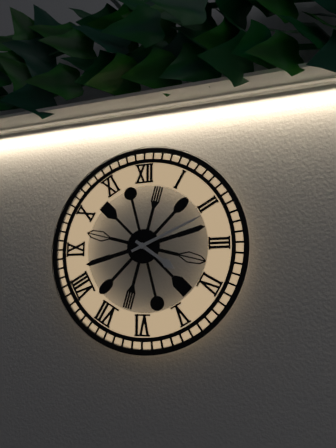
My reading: 4:11
